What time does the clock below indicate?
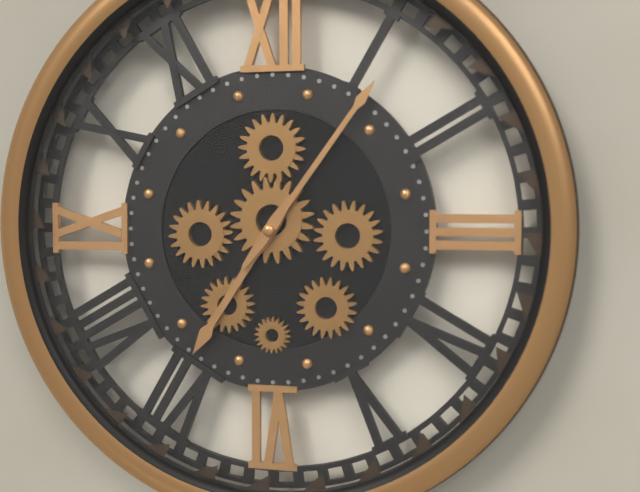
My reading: 7:06
